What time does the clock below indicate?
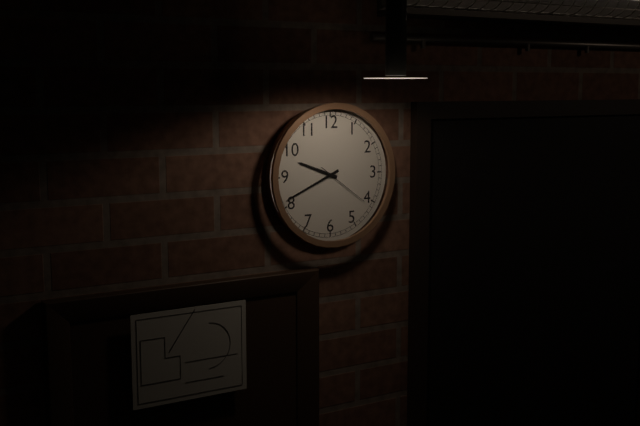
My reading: 9:41:21
